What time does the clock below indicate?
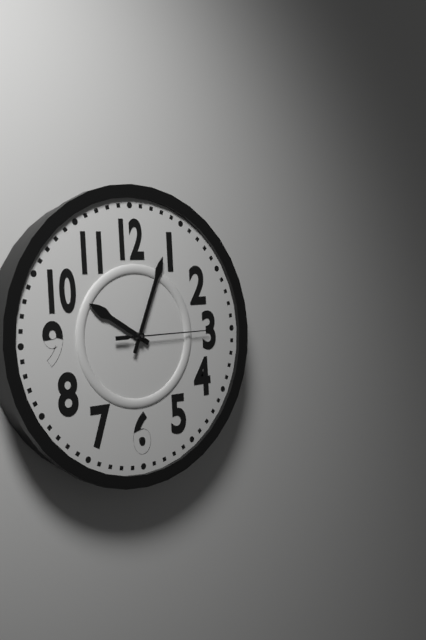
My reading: 10:04:15
